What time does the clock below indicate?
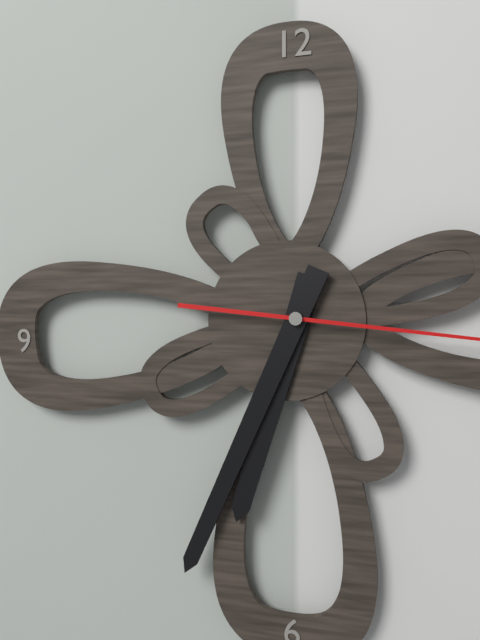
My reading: 6:34
